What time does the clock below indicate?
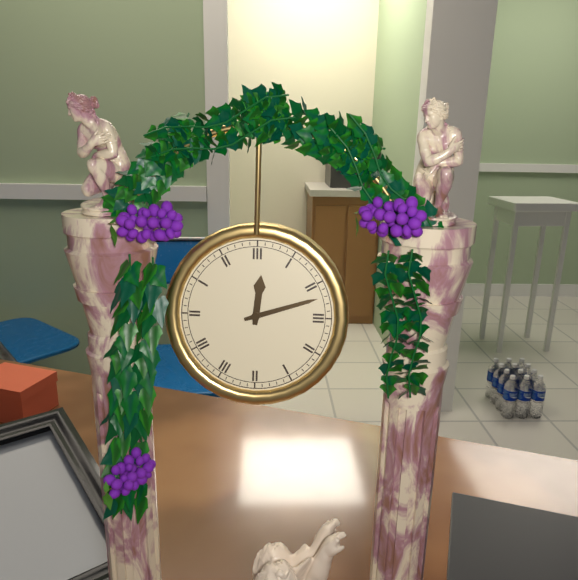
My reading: 12:12
